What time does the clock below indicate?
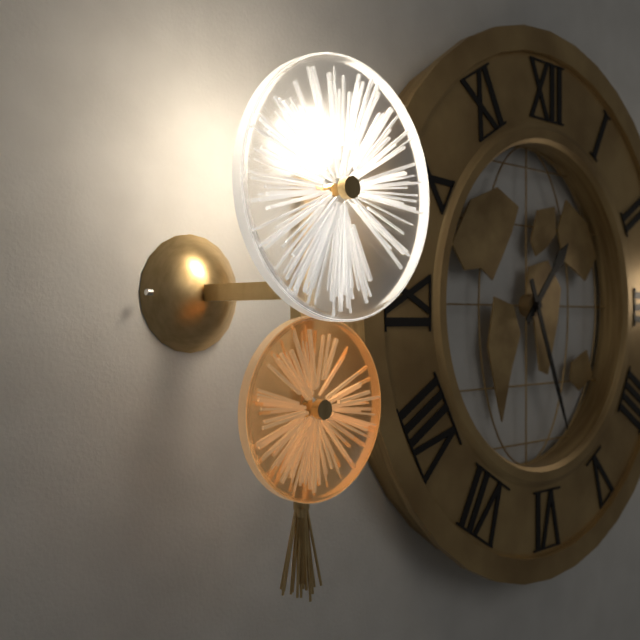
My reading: 1:26
